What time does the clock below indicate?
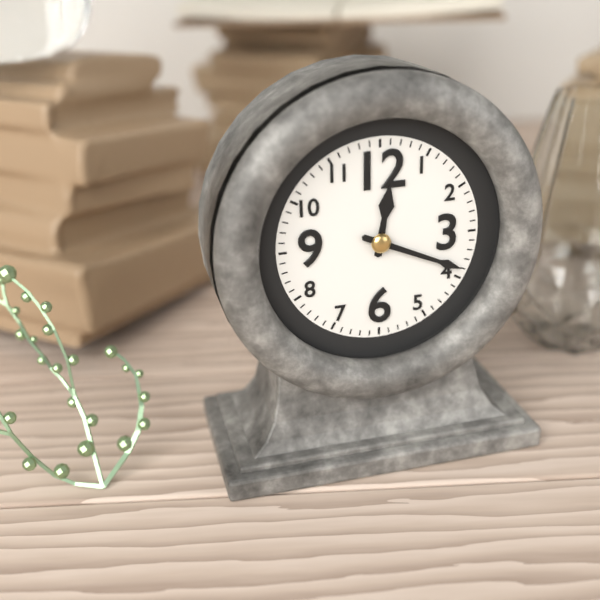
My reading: 12:19
